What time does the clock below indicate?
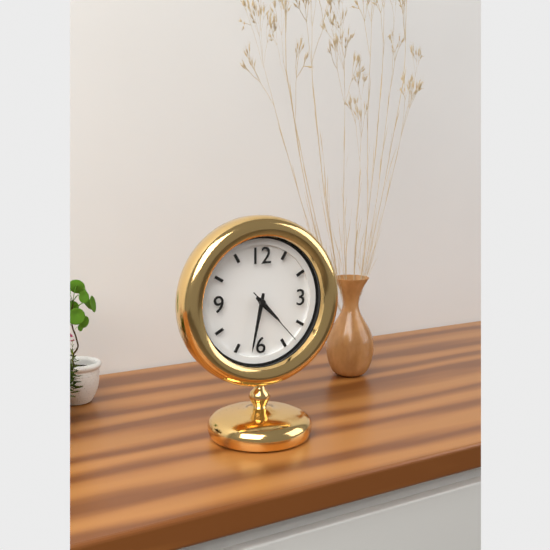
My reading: 4:32:23
